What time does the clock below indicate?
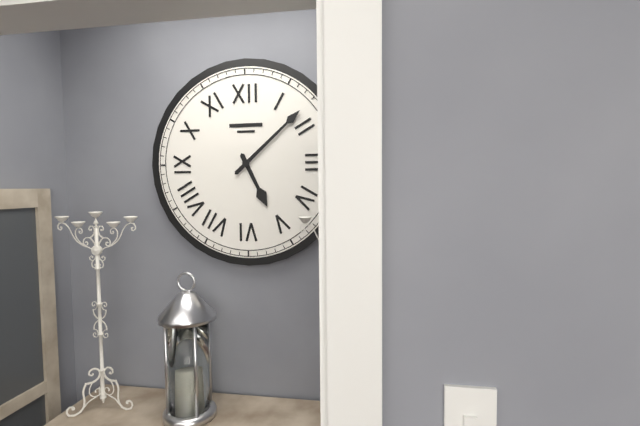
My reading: 5:08
